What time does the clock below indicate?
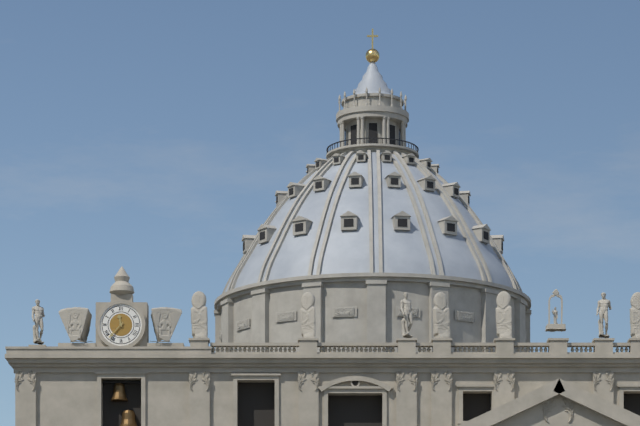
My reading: 11:37
